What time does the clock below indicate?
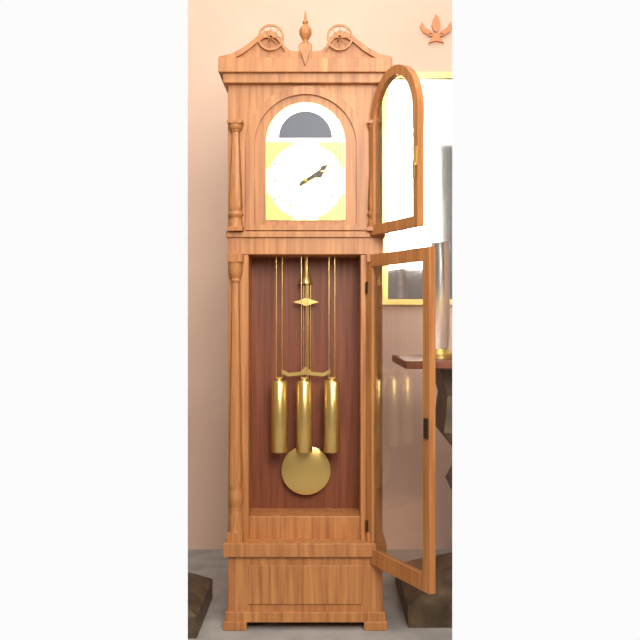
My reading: 2:09
